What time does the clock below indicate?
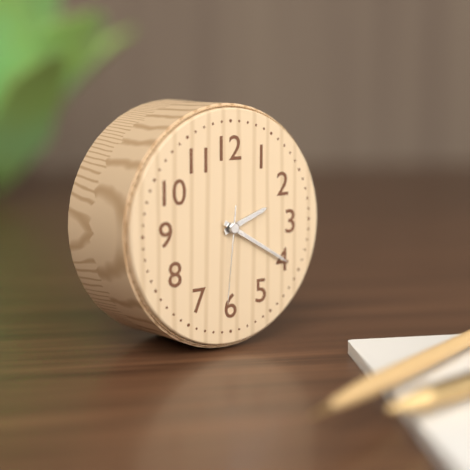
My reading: 2:20:31
